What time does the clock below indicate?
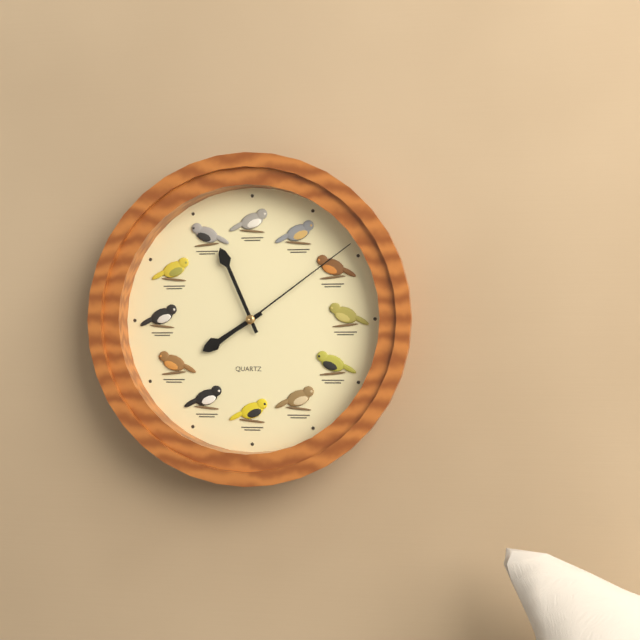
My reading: 7:56:09
